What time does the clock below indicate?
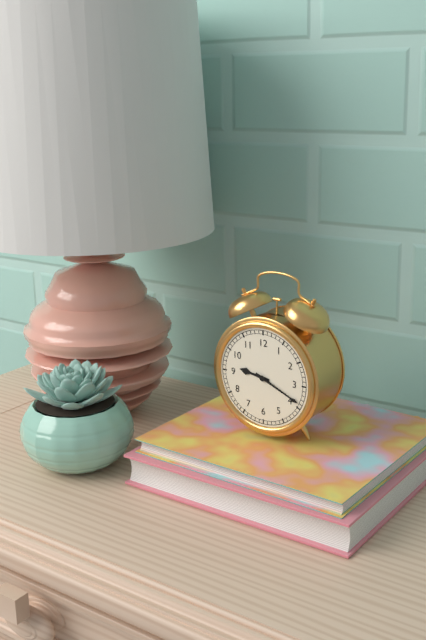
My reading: 9:19
